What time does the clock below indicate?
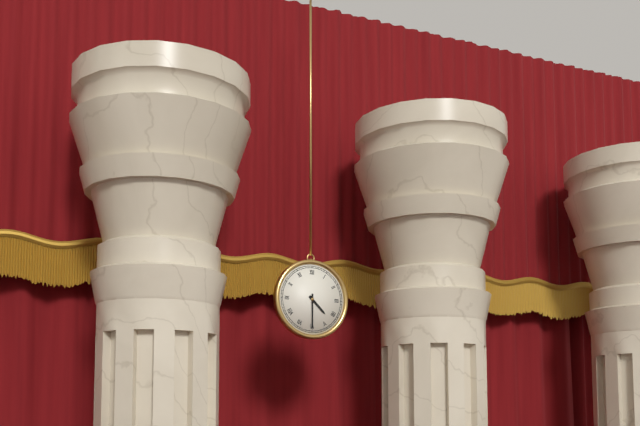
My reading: 4:30
